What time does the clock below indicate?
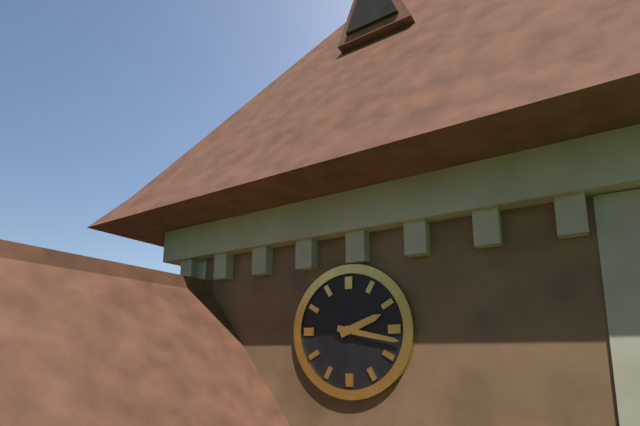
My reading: 2:17
